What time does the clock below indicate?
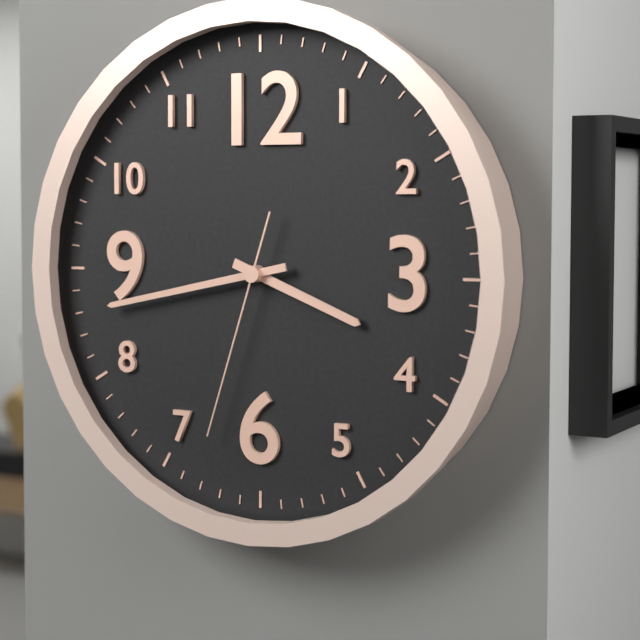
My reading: 3:43:33
